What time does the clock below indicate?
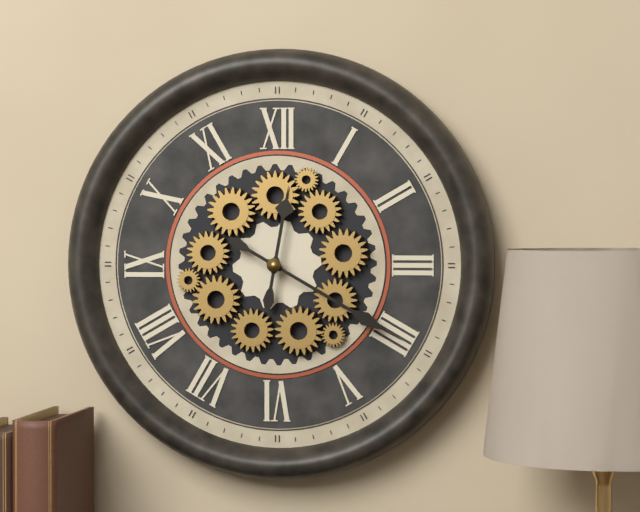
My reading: 12:20
